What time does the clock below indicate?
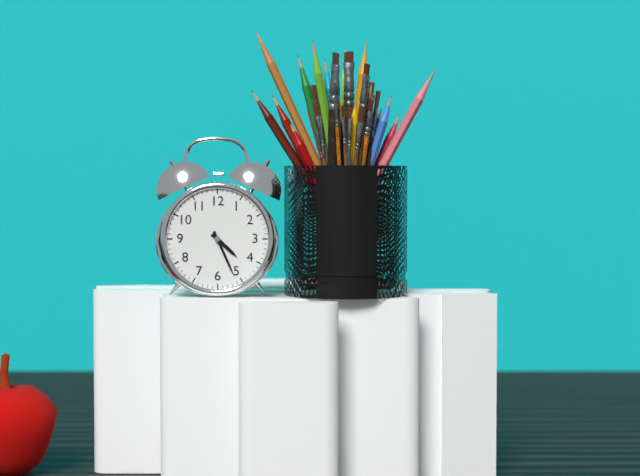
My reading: 4:26
